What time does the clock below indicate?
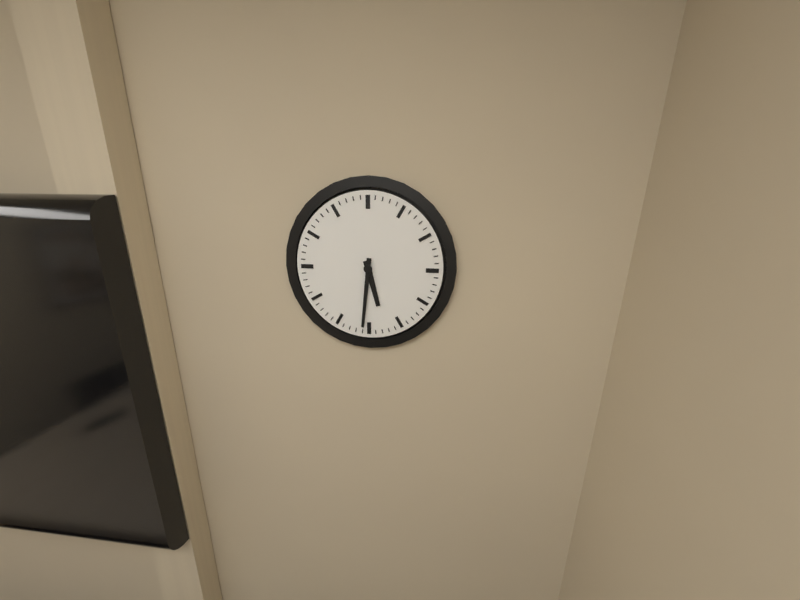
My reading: 5:31
